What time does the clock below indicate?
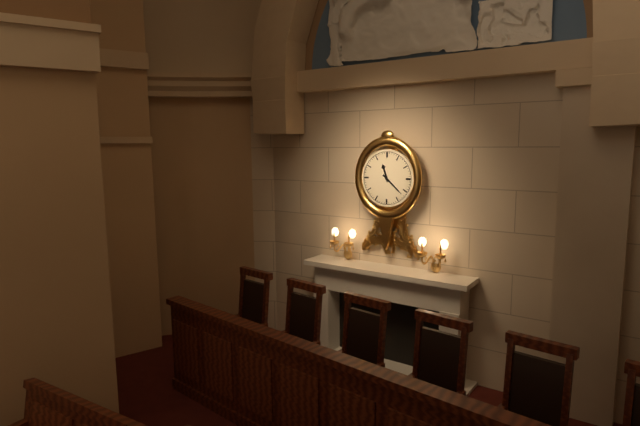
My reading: 11:22
